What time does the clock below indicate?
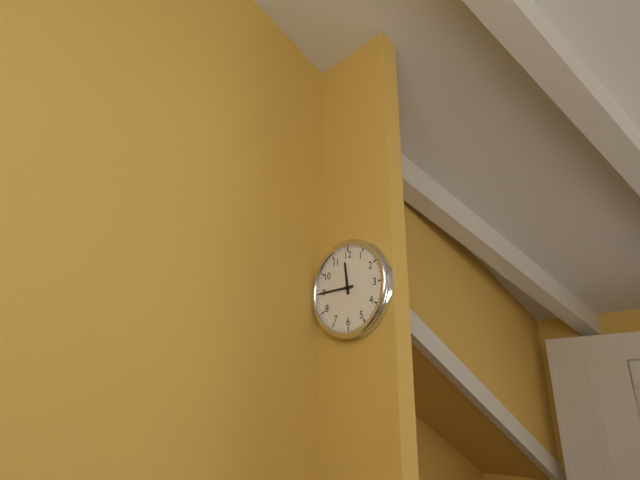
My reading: 11:45
